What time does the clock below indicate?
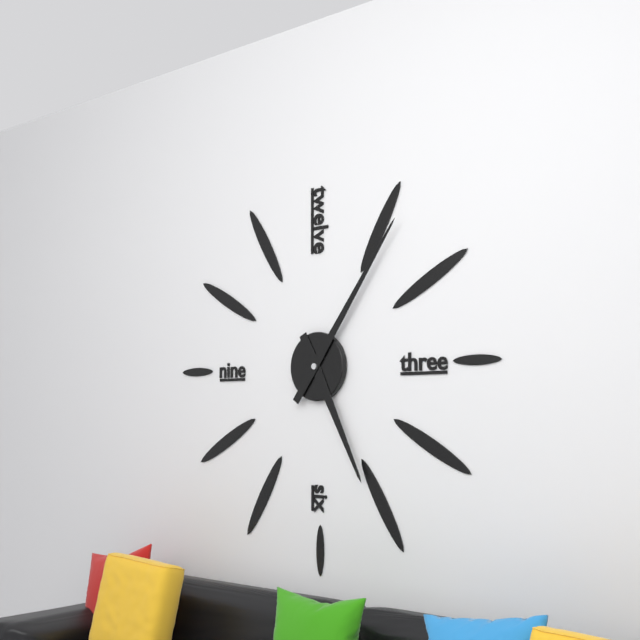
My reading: 5:06
